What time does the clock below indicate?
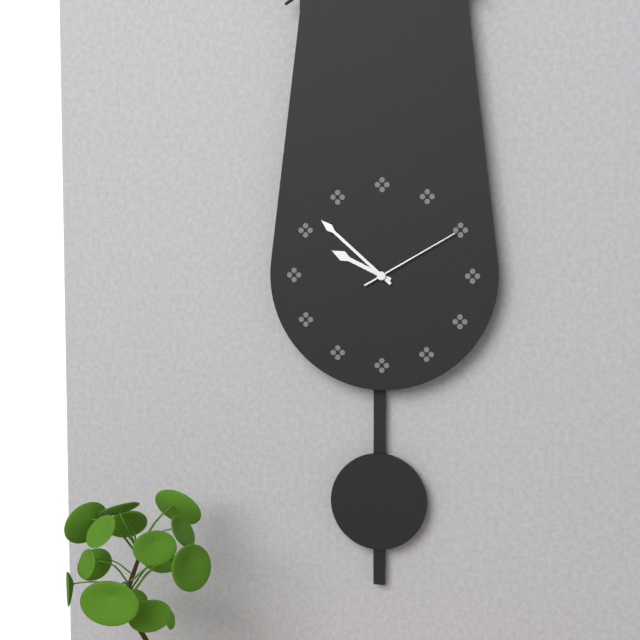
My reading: 9:52:10
